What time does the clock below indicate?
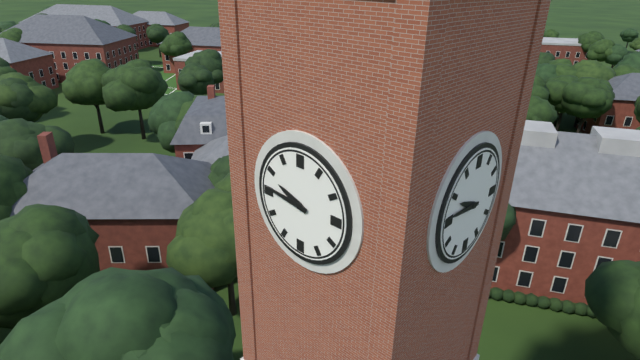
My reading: 9:46
